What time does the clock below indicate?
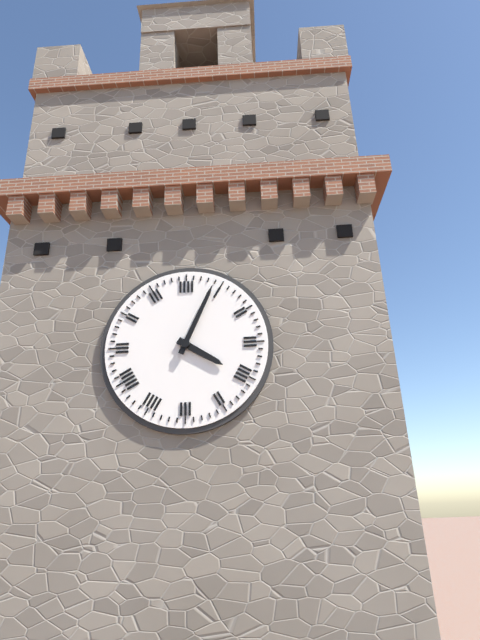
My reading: 4:04
